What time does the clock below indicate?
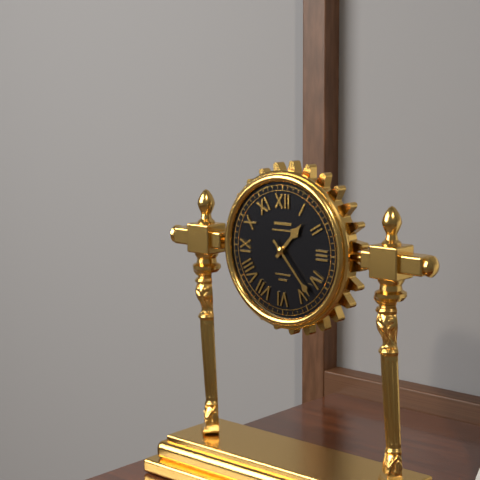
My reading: 1:23
